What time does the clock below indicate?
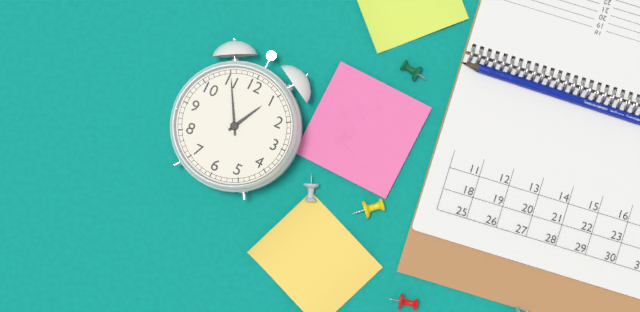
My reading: 12:55
